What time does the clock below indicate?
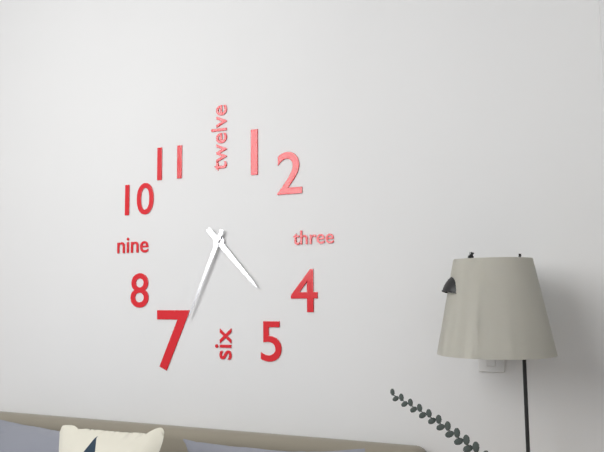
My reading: 4:34
